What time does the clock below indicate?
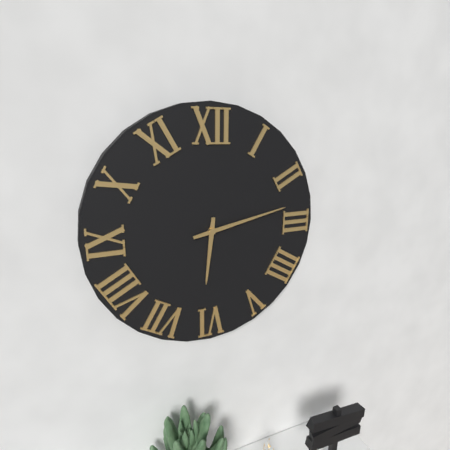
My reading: 6:13
